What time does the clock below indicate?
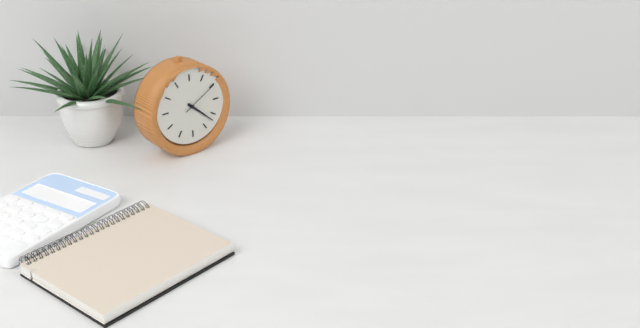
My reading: 4:22
